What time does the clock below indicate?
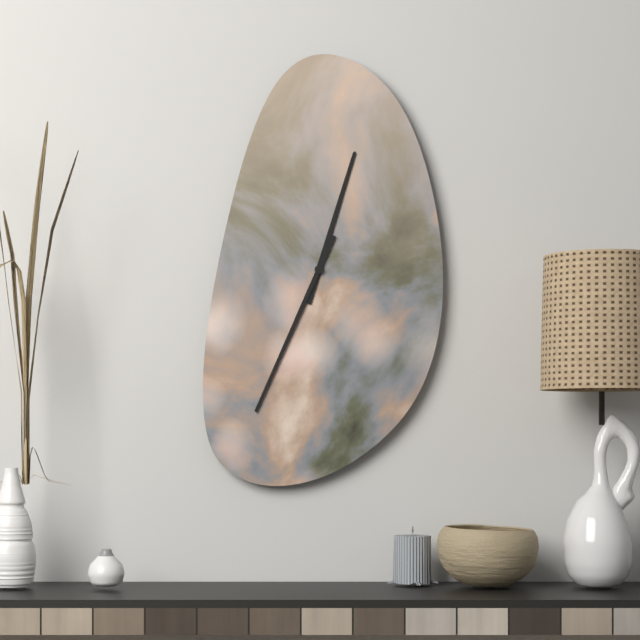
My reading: 12:34
